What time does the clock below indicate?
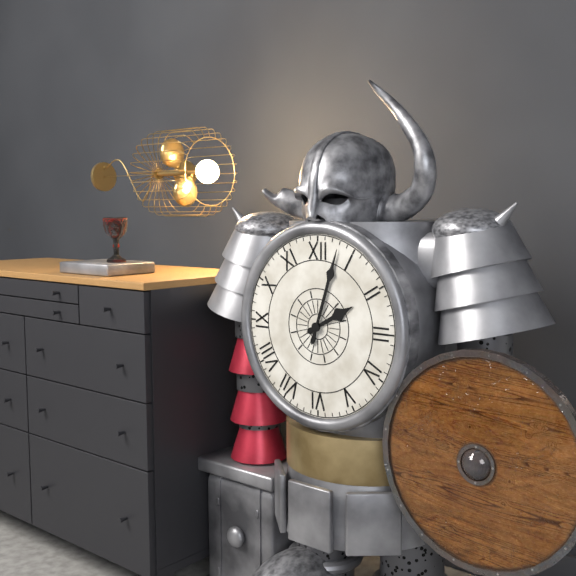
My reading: 2:03
